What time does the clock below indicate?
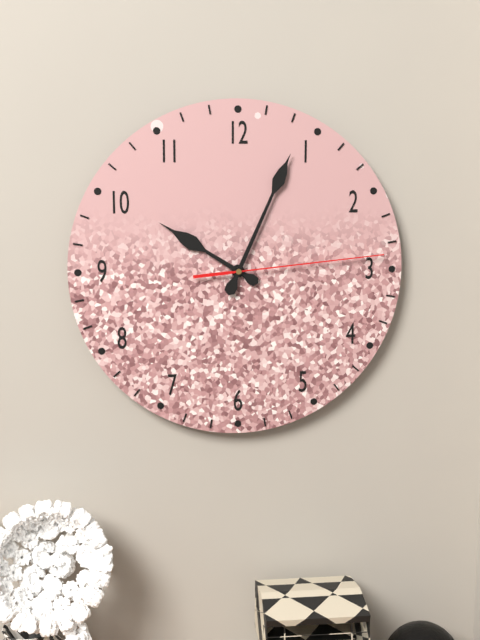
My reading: 10:04:14
